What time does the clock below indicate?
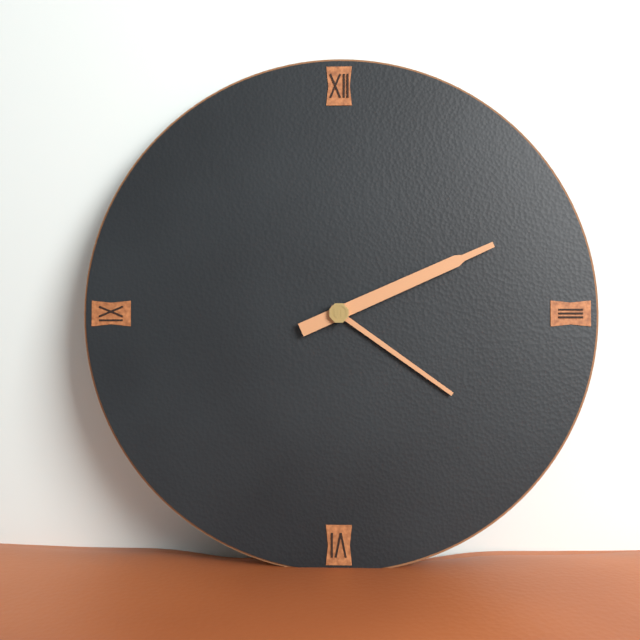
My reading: 4:11
